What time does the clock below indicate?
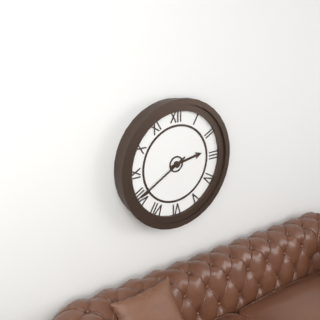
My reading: 2:40
